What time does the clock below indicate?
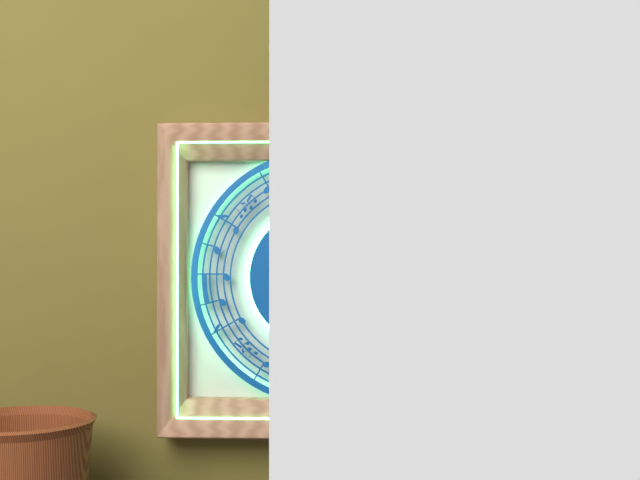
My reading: 12:35
